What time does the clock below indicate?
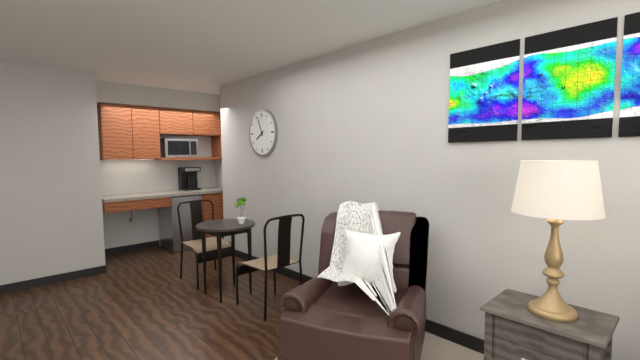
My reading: 7:56
